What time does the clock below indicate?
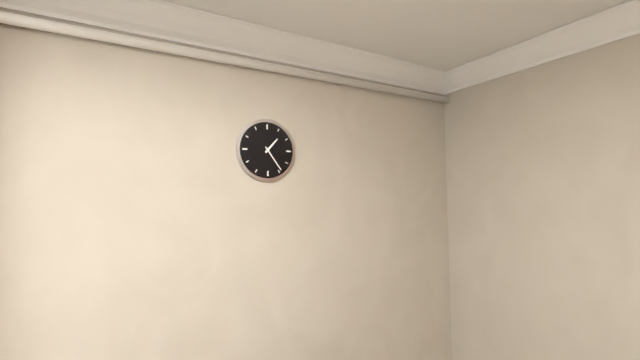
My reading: 1:24
